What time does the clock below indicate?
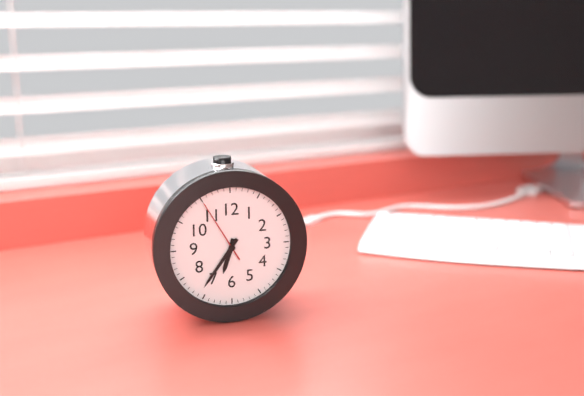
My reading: 6:36:55
